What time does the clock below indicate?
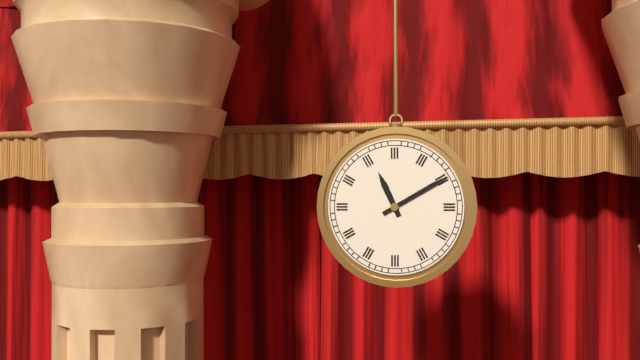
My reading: 11:10
